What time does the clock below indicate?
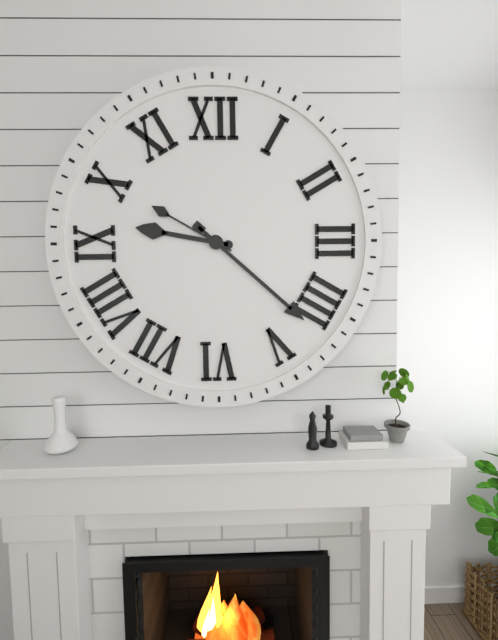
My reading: 9:22:50
